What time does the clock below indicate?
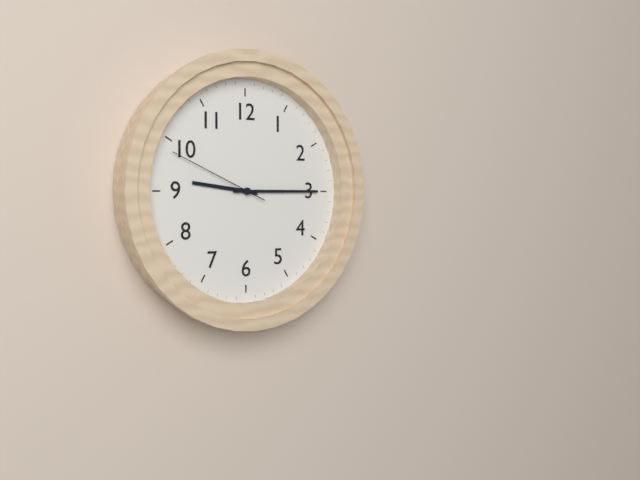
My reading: 9:15:49
